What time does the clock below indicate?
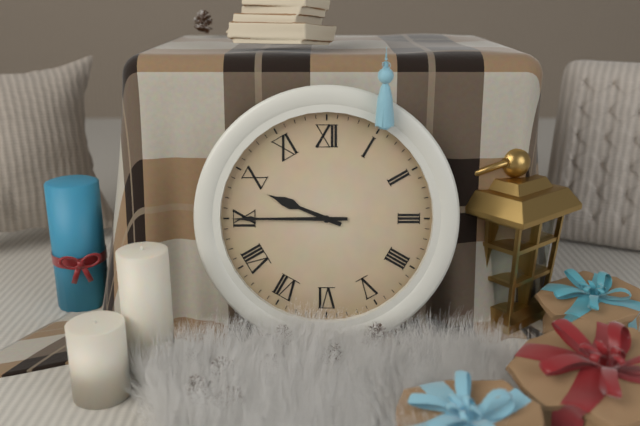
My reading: 9:45
